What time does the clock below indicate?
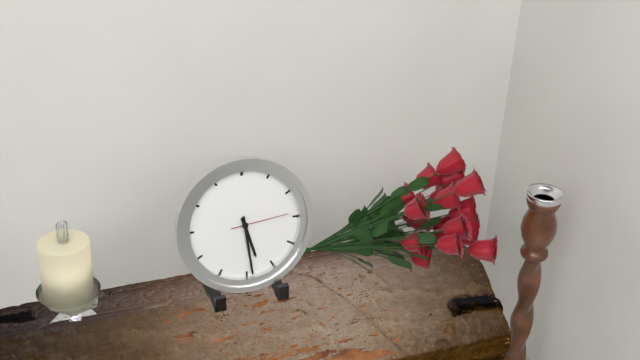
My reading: 5:29:14
